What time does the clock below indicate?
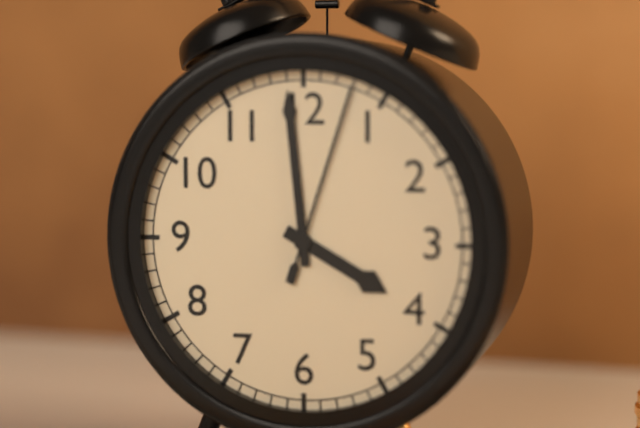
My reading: 3:59:03
